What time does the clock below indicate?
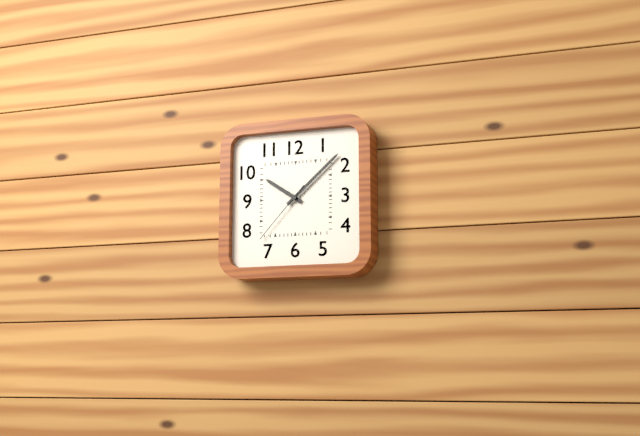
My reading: 10:08:37
